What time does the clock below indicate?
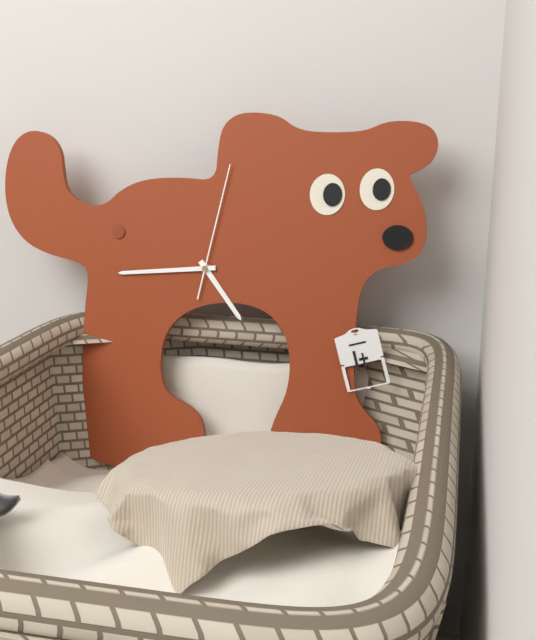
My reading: 4:44:02
